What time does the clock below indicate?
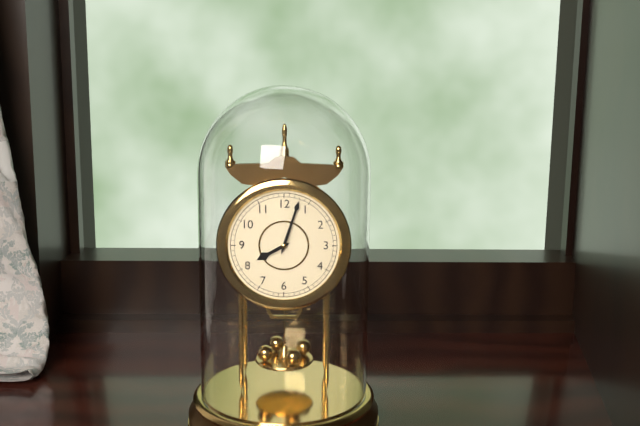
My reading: 8:03
